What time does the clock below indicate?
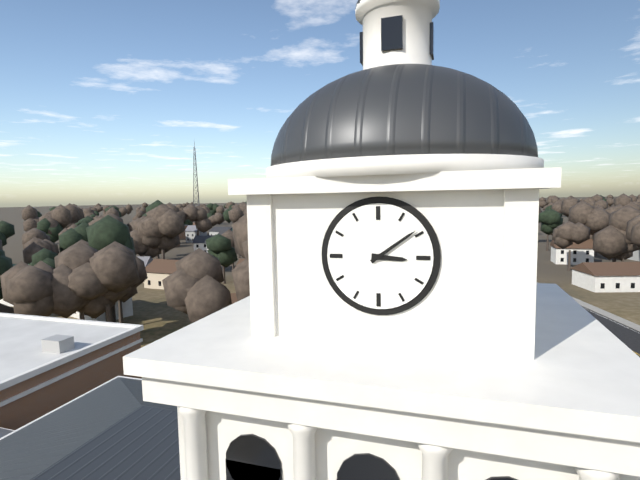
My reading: 3:09
